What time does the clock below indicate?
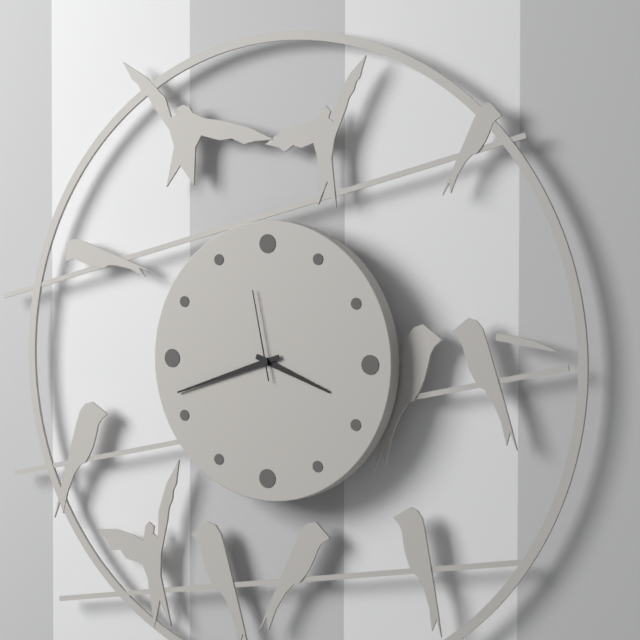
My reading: 3:42:58
